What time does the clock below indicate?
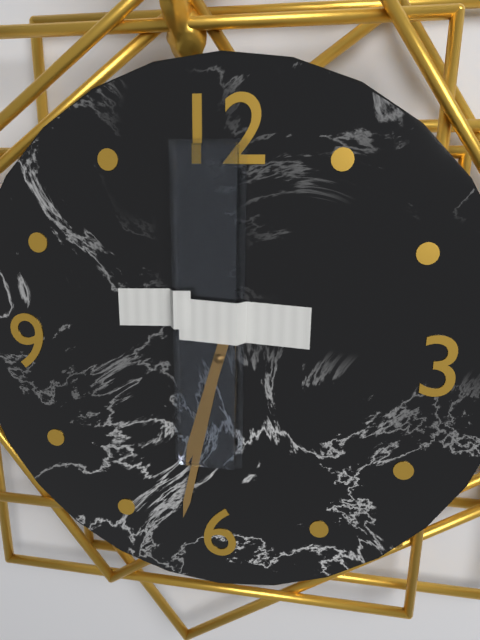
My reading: 6:32
